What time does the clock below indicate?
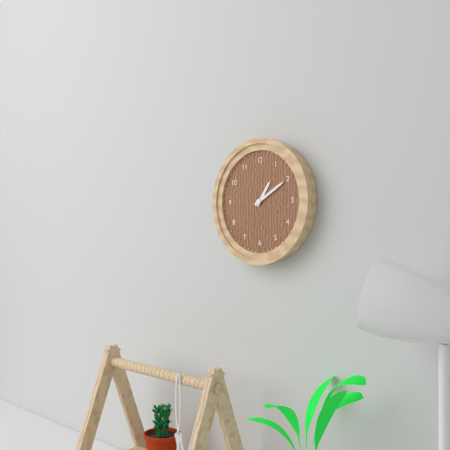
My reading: 1:10
